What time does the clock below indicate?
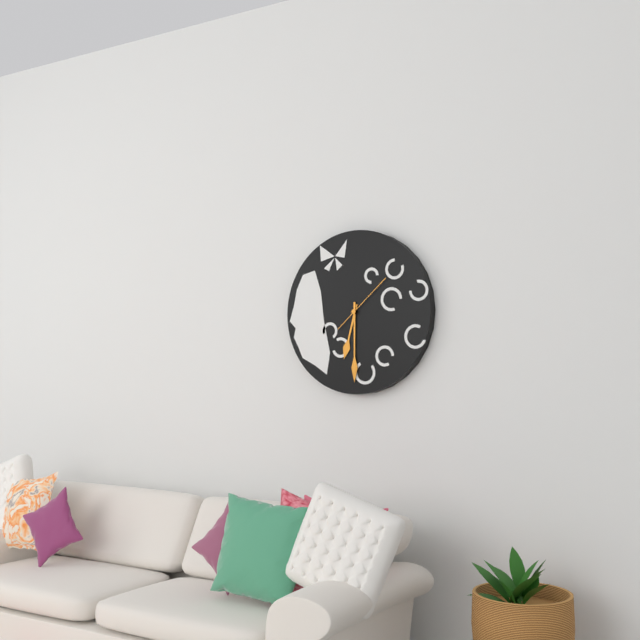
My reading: 6:30:08
